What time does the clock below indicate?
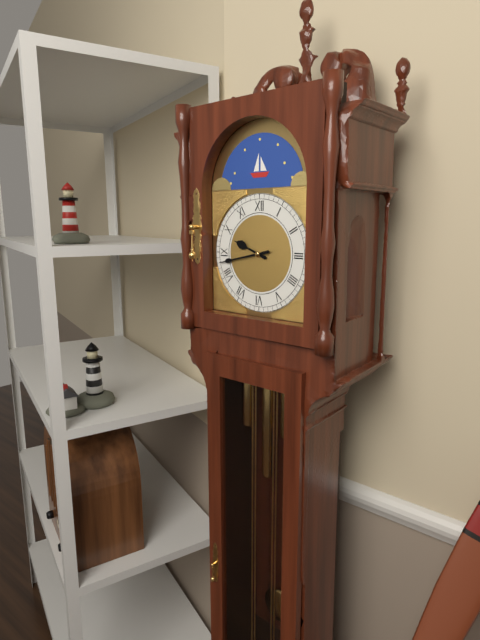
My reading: 9:43
